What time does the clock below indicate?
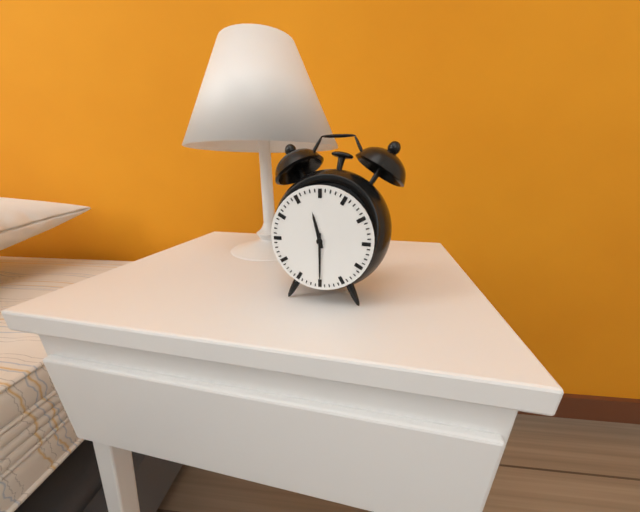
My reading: 11:30
